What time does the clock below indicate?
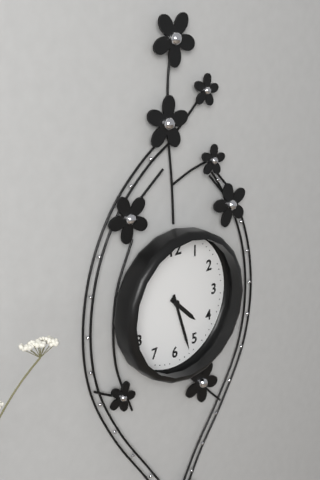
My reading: 4:27
